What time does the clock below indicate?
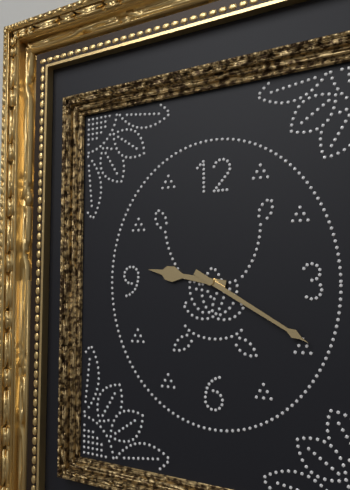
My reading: 9:20
